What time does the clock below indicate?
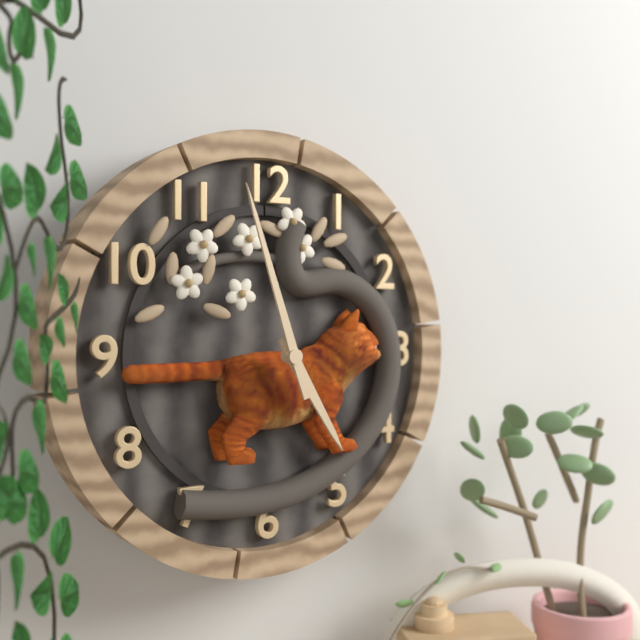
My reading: 4:57
